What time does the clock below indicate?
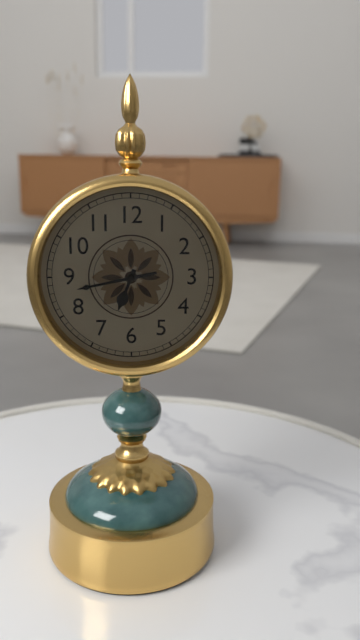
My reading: 6:43
